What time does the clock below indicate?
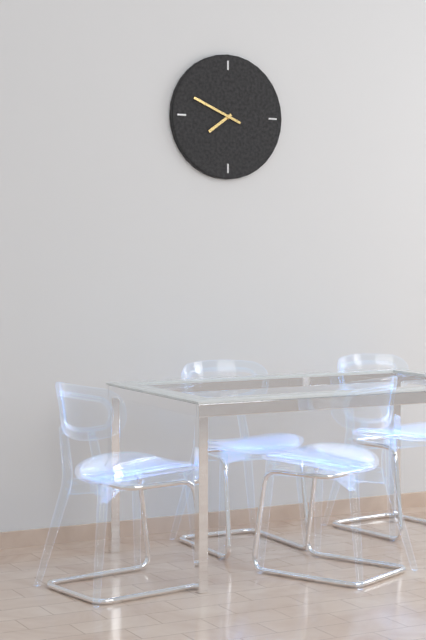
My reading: 7:49
